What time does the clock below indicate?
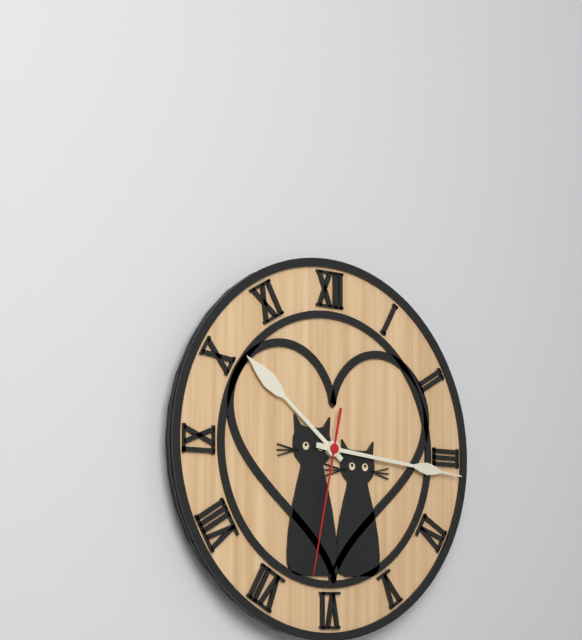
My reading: 10:16:32
